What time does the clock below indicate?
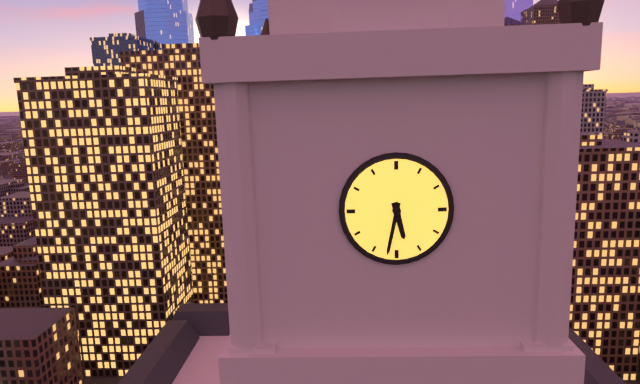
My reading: 5:32
